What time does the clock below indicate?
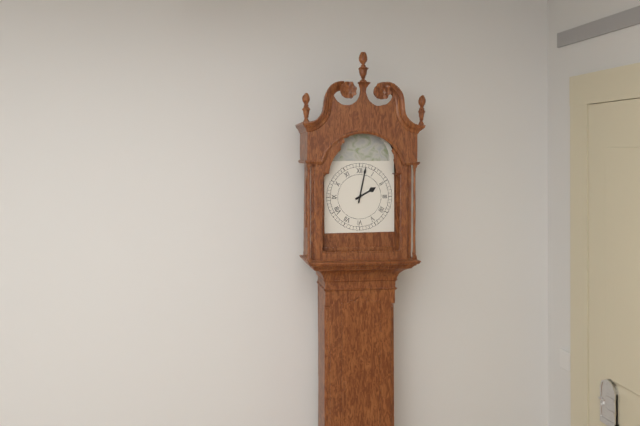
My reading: 2:02
